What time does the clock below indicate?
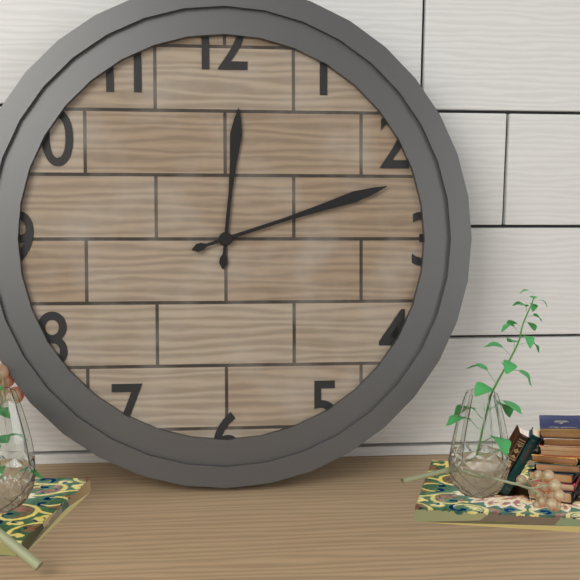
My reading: 12:12
